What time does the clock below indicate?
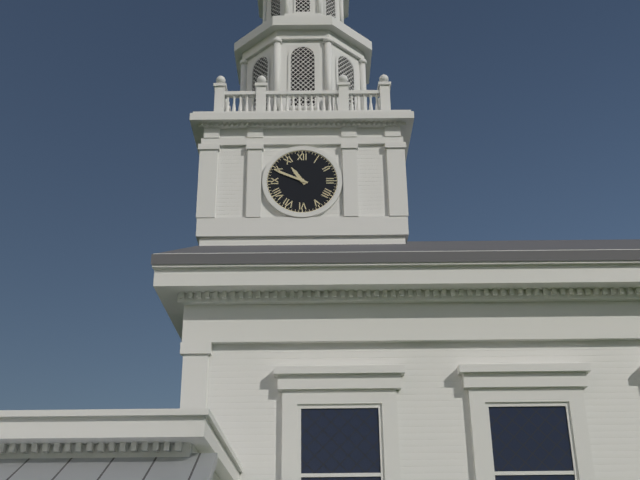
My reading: 10:49
